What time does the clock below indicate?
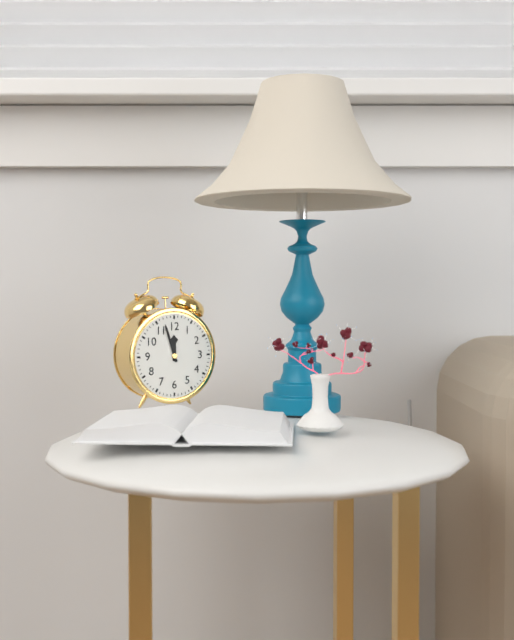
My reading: 11:57
